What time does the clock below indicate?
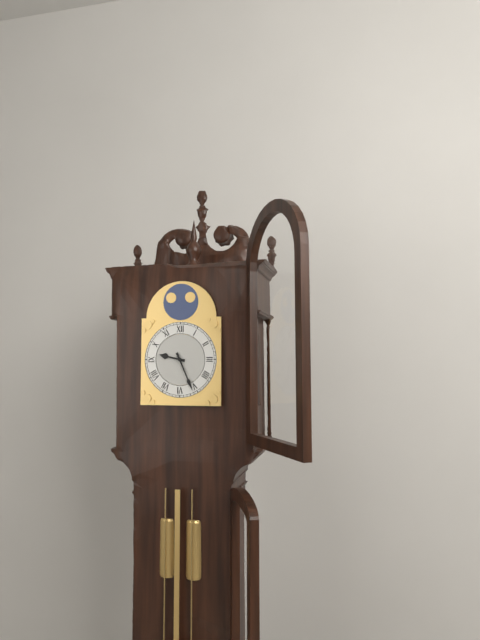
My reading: 9:26
